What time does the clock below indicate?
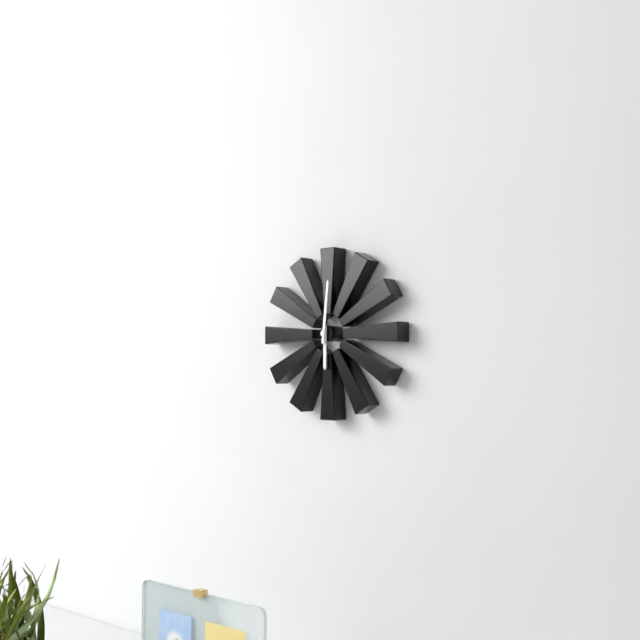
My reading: 6:01
